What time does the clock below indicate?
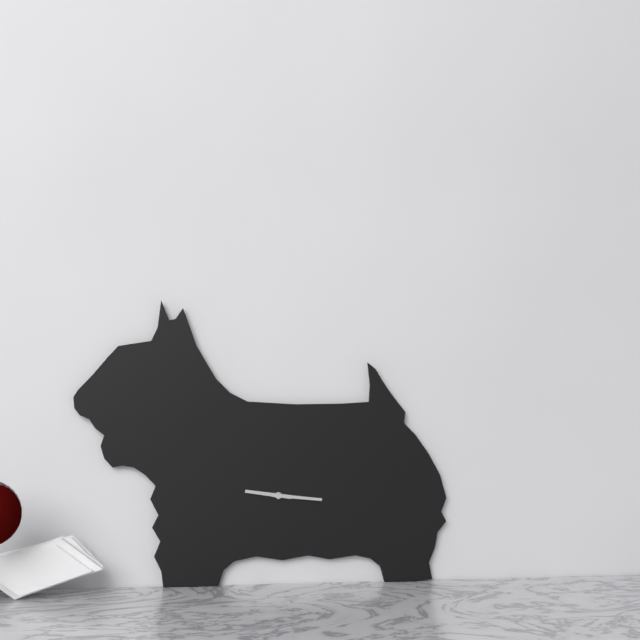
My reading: 9:16
